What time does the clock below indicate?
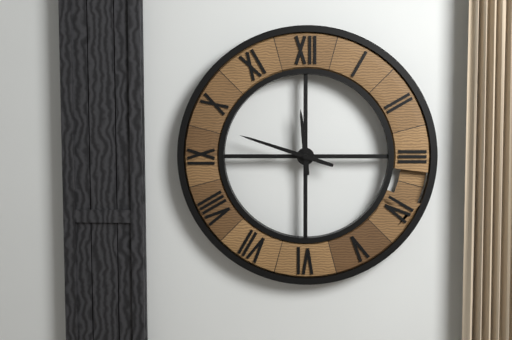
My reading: 11:48
